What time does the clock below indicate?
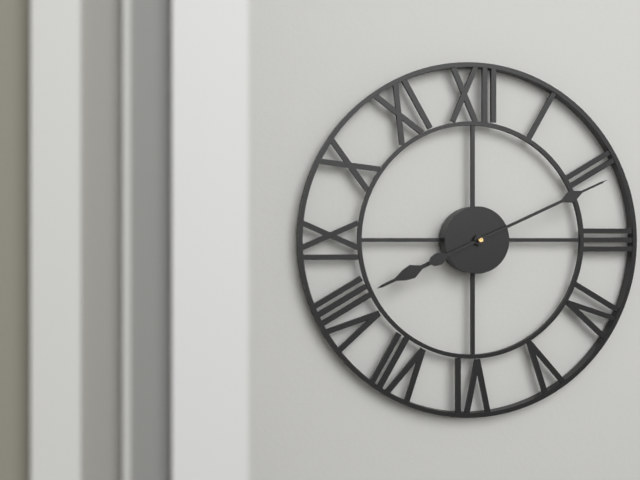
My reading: 8:11
